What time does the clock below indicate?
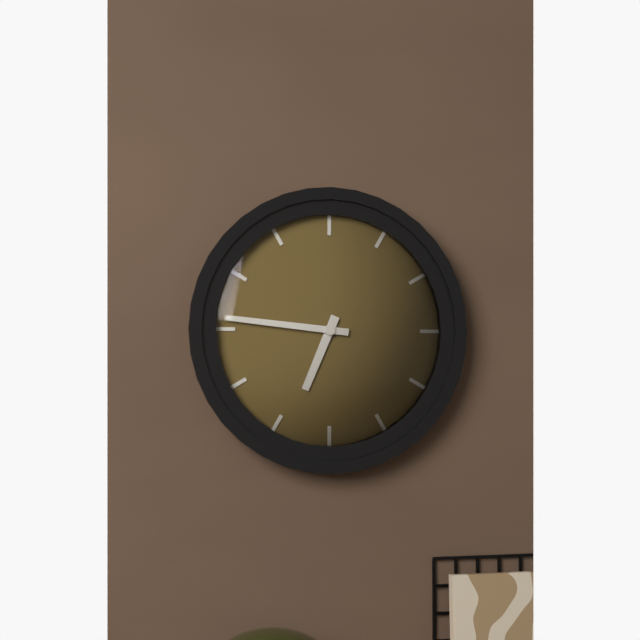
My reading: 6:46
